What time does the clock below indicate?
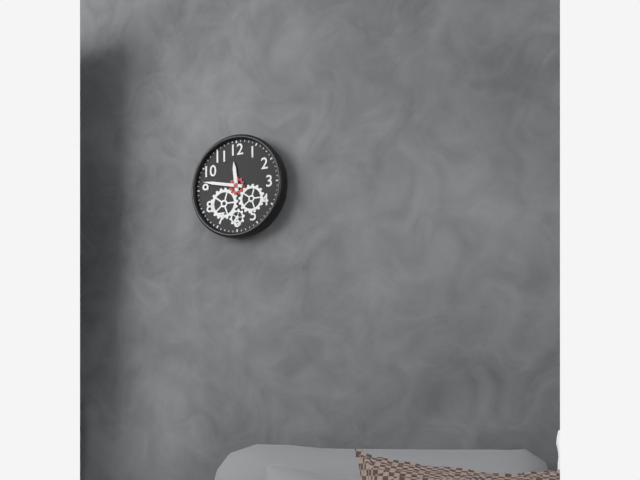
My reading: 11:47
